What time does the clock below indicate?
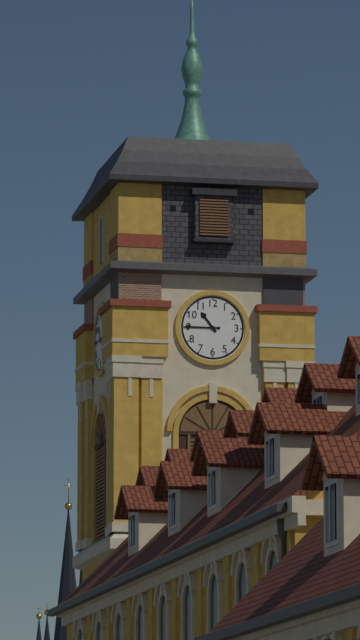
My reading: 10:45
